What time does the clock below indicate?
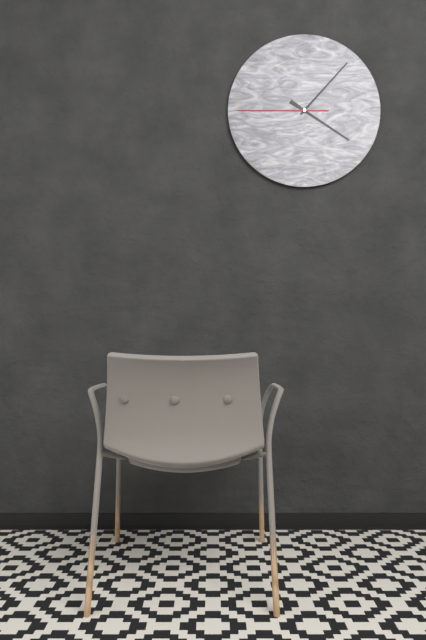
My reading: 4:07:45
